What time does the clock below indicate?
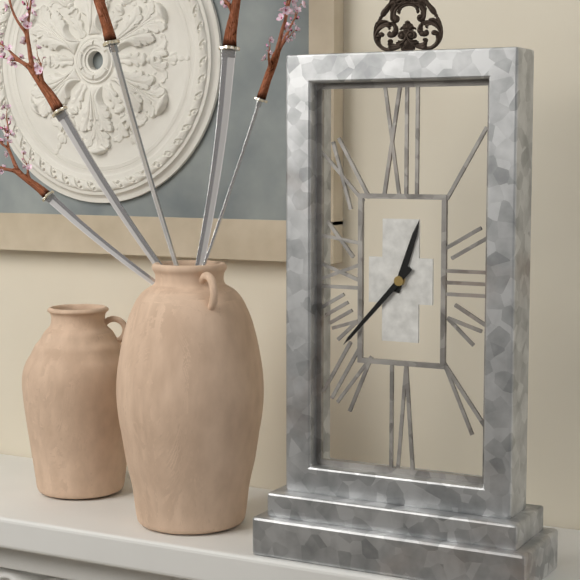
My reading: 12:37
